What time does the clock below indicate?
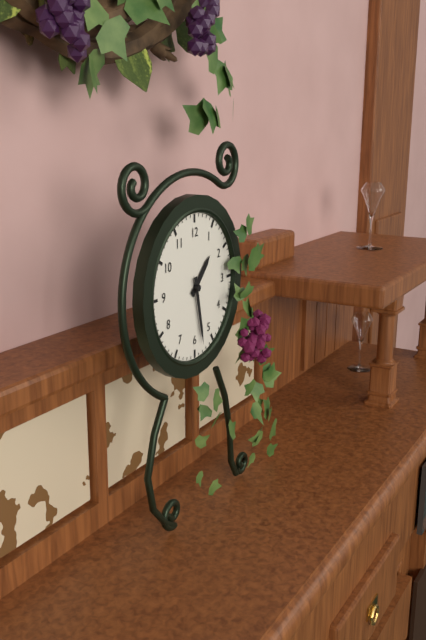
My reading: 1:28
